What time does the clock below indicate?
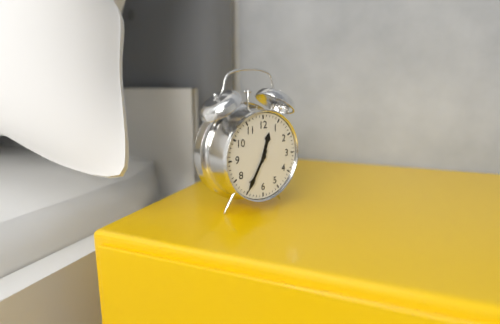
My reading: 12:35
